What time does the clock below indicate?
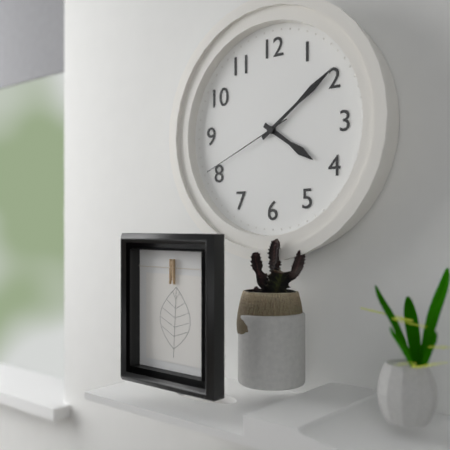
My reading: 4:09:41
